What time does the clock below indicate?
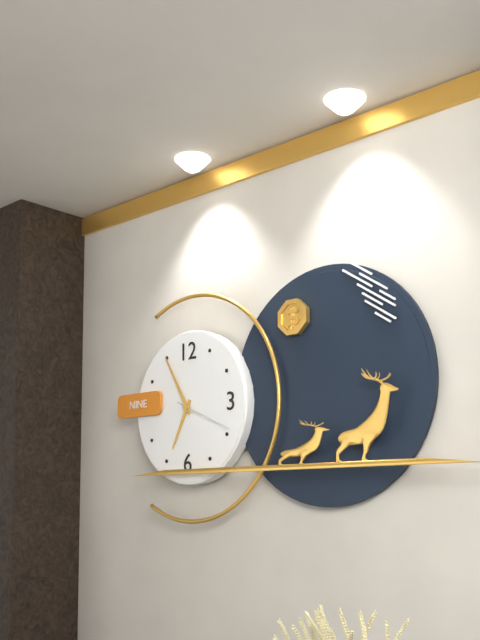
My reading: 6:55:19
